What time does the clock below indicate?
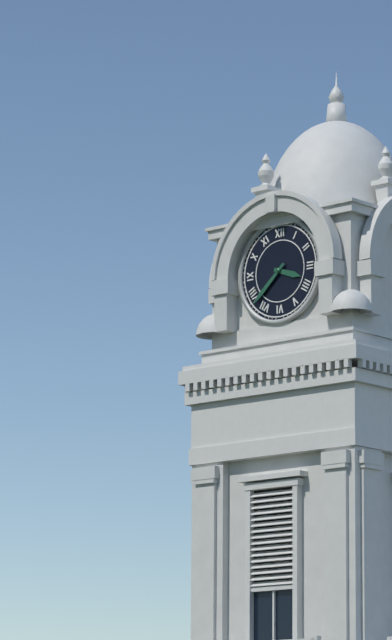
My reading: 3:38
